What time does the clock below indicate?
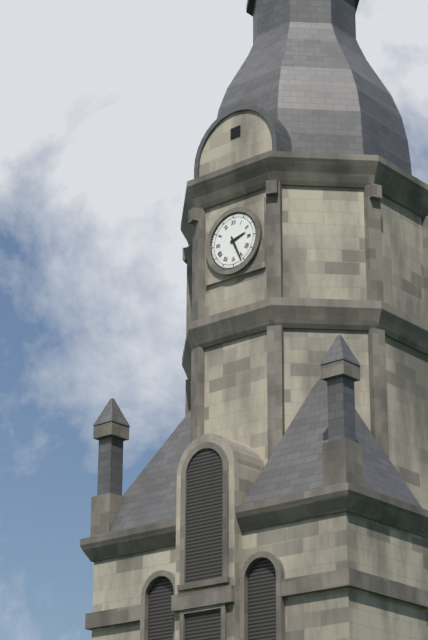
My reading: 2:26
